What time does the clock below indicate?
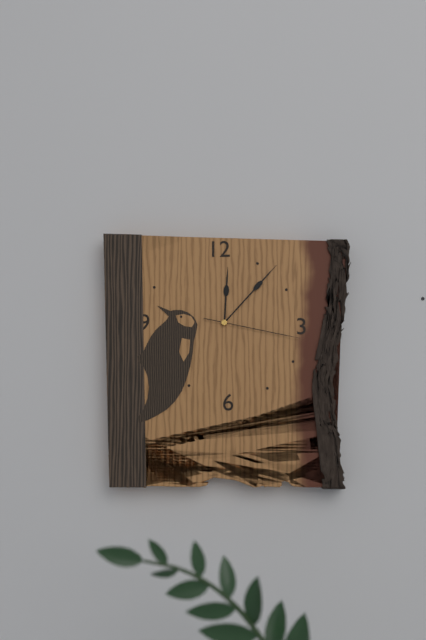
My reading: 12:07:17
